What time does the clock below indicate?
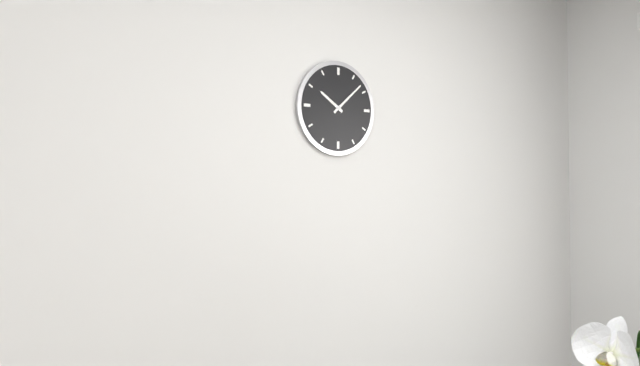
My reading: 10:08
